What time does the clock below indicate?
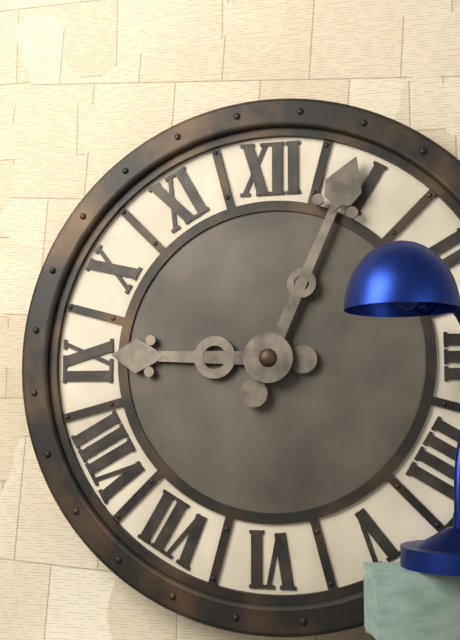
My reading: 9:04
